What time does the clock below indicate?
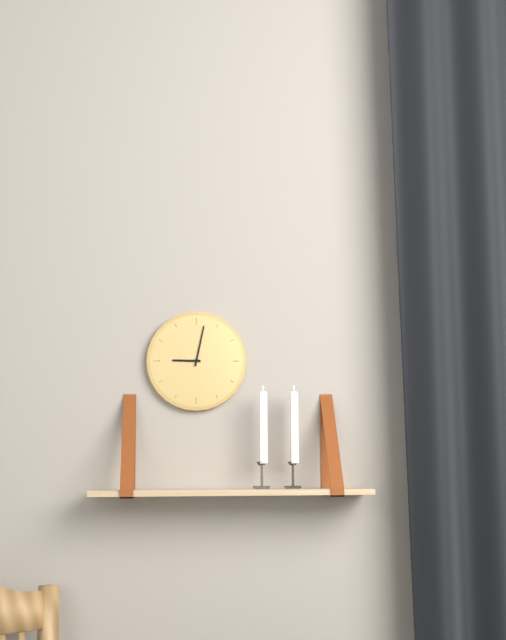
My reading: 9:02
